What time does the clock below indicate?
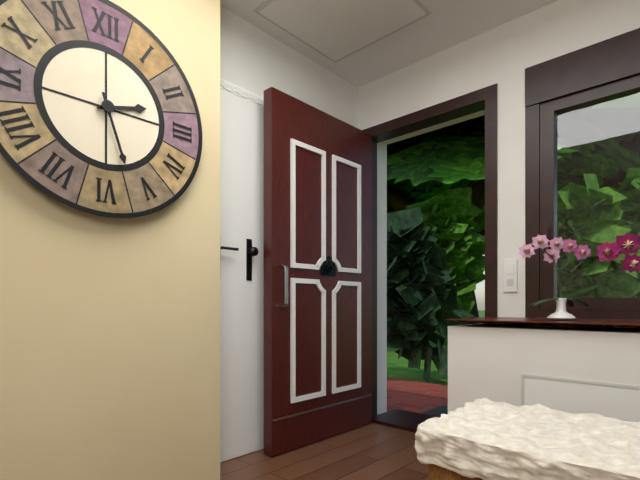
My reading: 2:27
